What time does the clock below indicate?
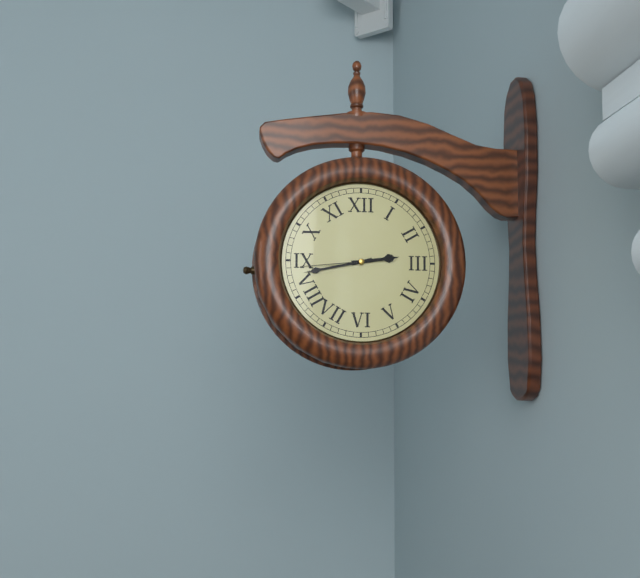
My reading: 2:43:44
